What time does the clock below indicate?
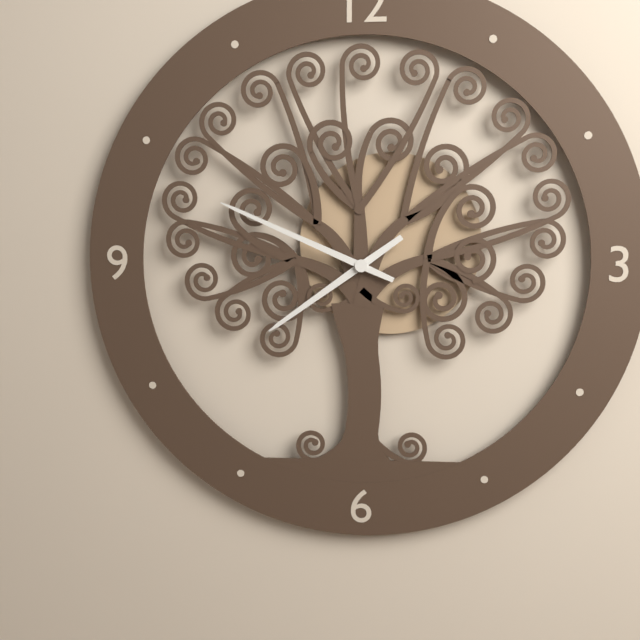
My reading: 7:49
